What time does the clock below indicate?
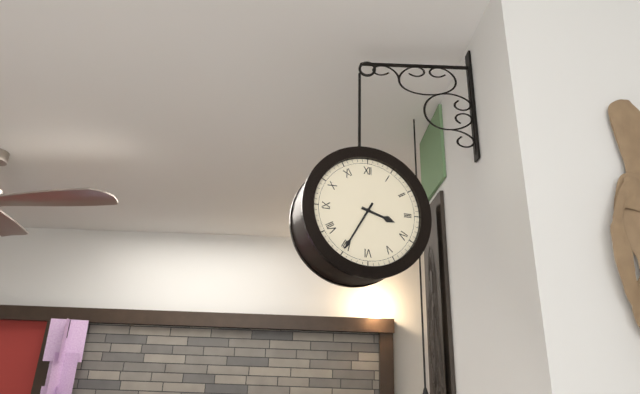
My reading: 3:35
